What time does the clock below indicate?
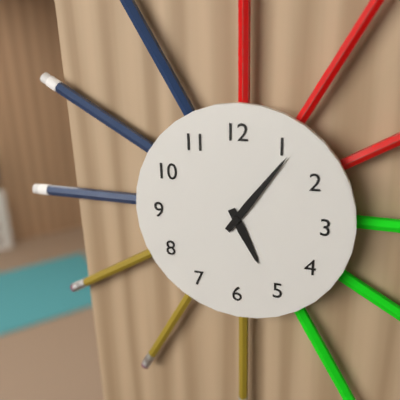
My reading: 5:06
